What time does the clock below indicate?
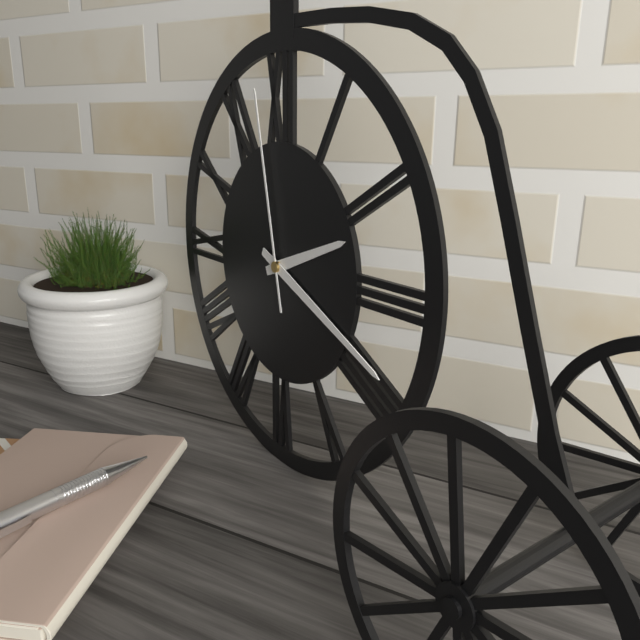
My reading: 2:19:58
